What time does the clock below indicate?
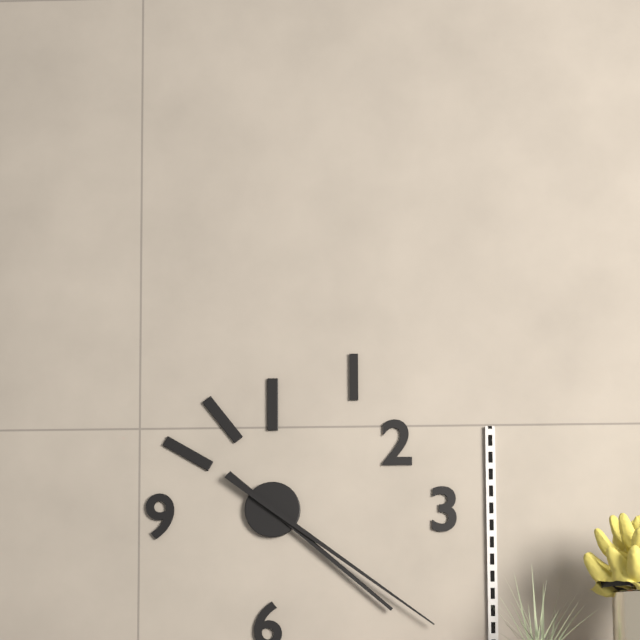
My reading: 4:21
